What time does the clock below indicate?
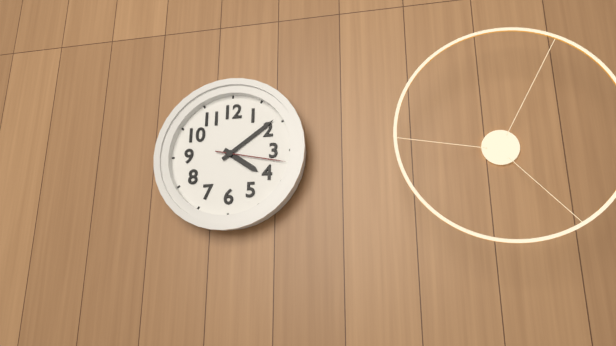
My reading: 4:09:17
